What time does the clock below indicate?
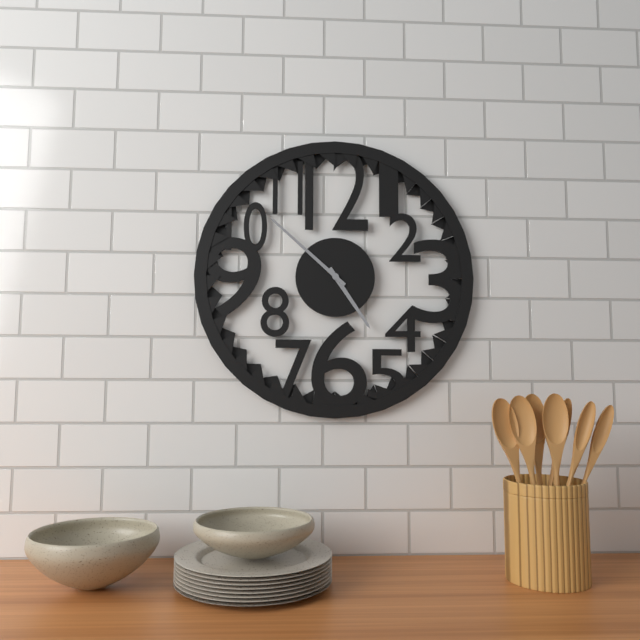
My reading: 4:52
